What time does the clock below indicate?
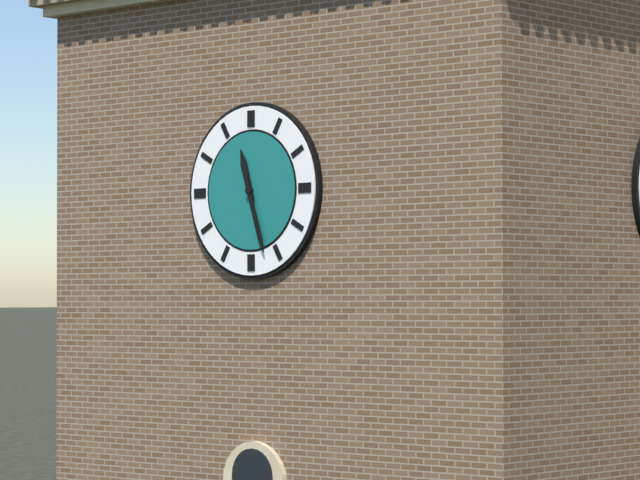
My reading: 11:27
